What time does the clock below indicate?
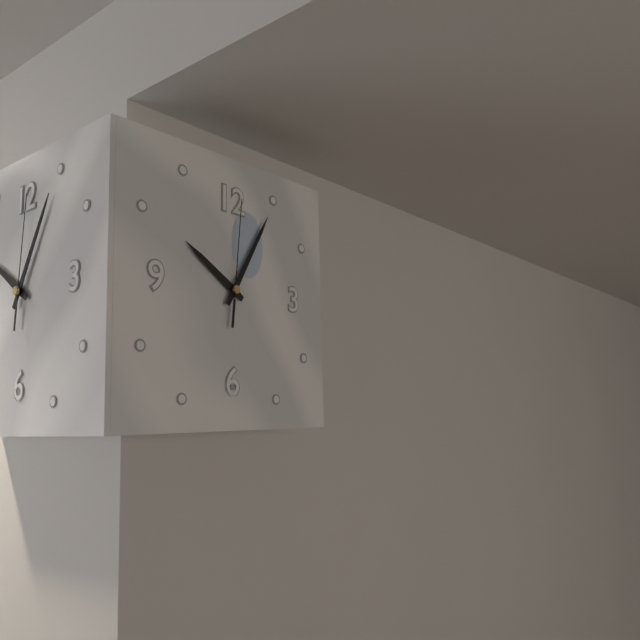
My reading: 10:05:01
